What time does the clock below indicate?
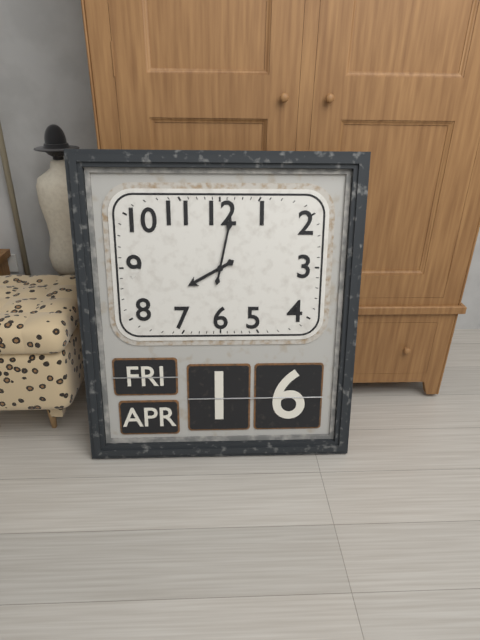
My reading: 8:02
